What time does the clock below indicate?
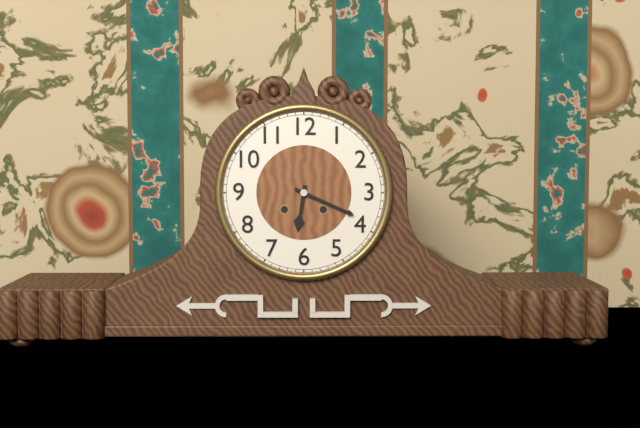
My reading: 6:19
